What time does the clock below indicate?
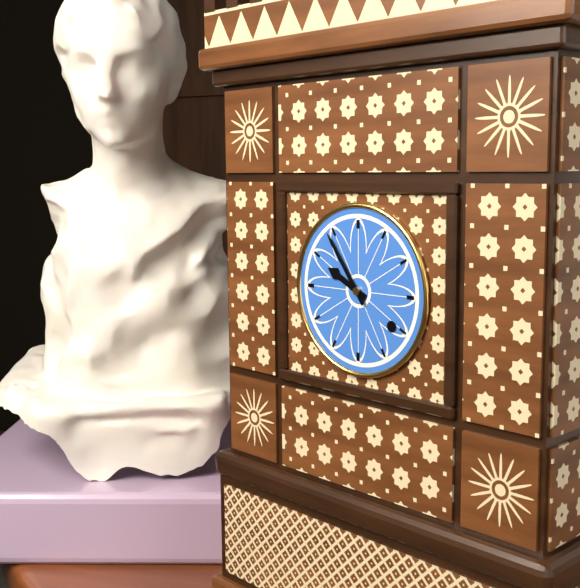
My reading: 9:54
